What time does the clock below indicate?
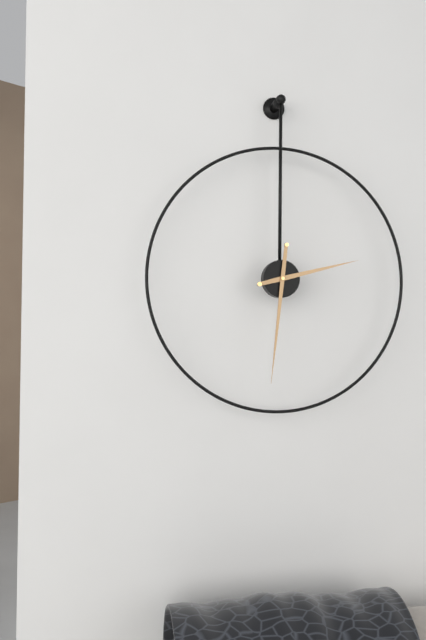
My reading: 2:31
